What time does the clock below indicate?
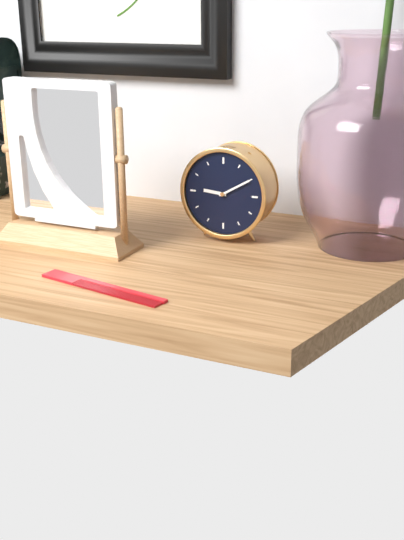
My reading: 9:10
